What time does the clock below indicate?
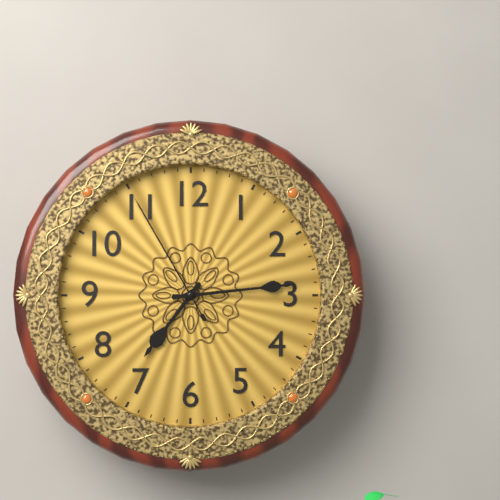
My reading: 7:14:55
